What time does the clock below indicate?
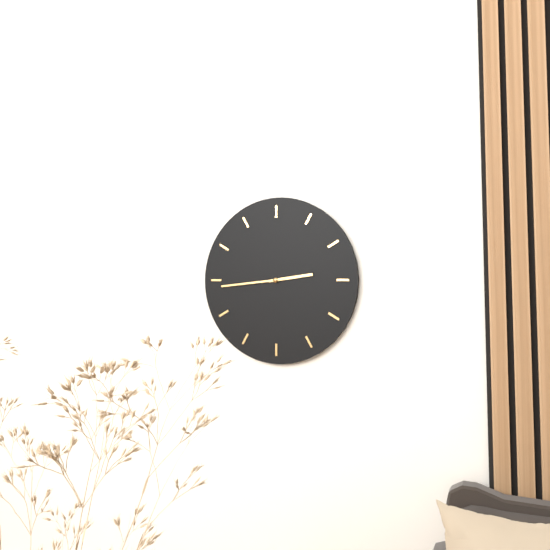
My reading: 2:44
